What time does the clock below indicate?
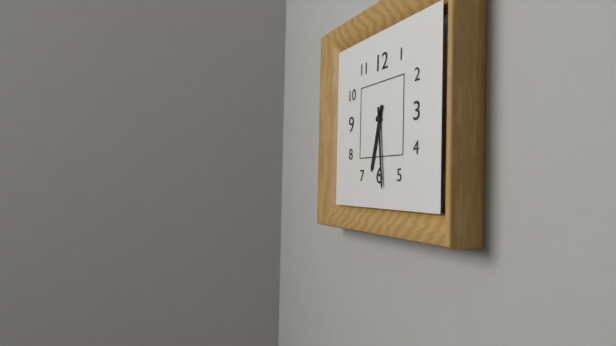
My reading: 6:29
